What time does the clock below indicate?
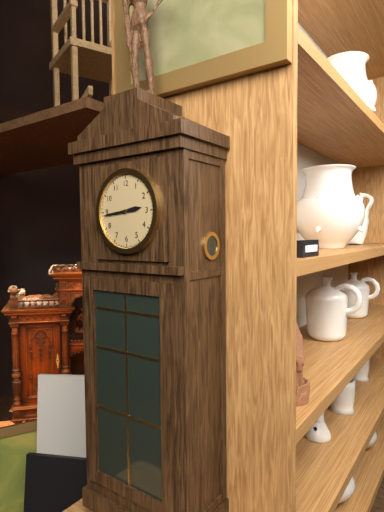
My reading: 2:44
